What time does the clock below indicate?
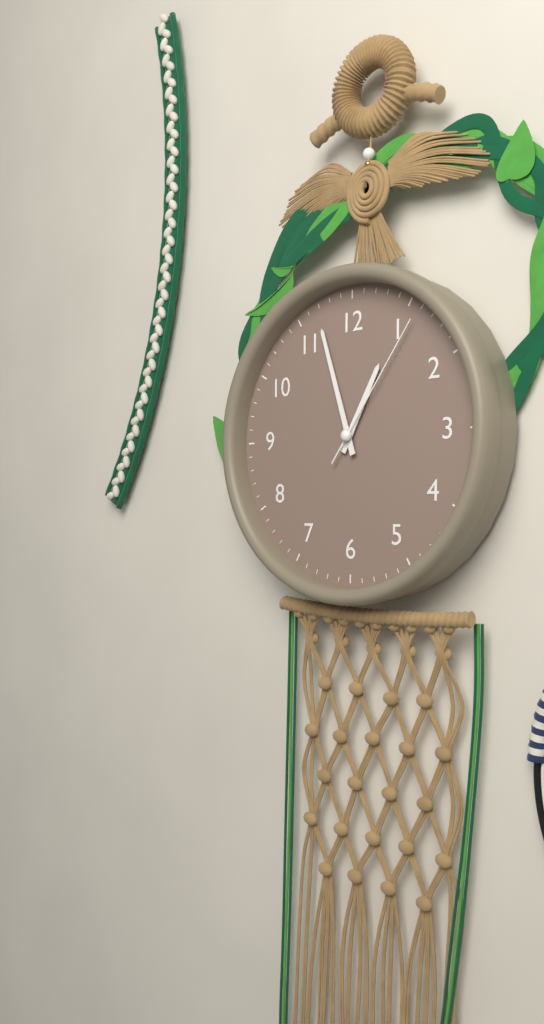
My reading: 12:57:06
